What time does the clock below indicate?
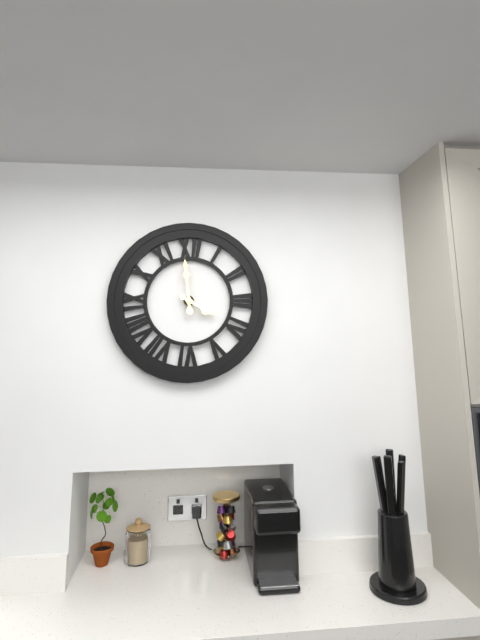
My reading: 3:59
